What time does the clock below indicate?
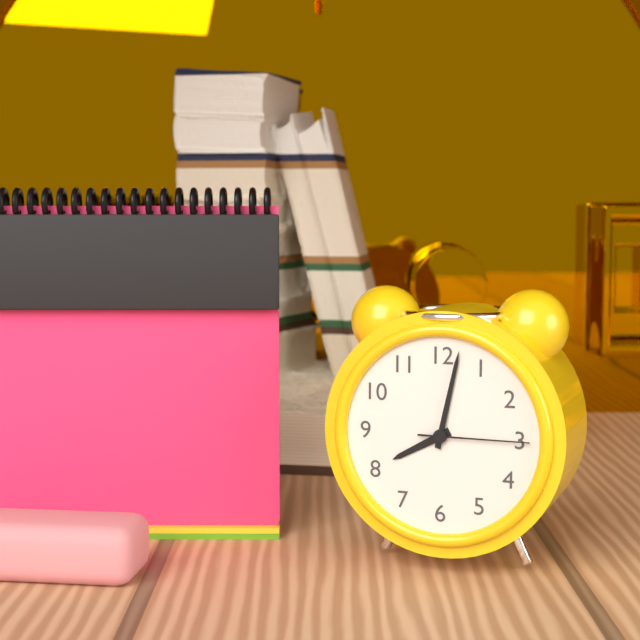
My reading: 8:02:15
